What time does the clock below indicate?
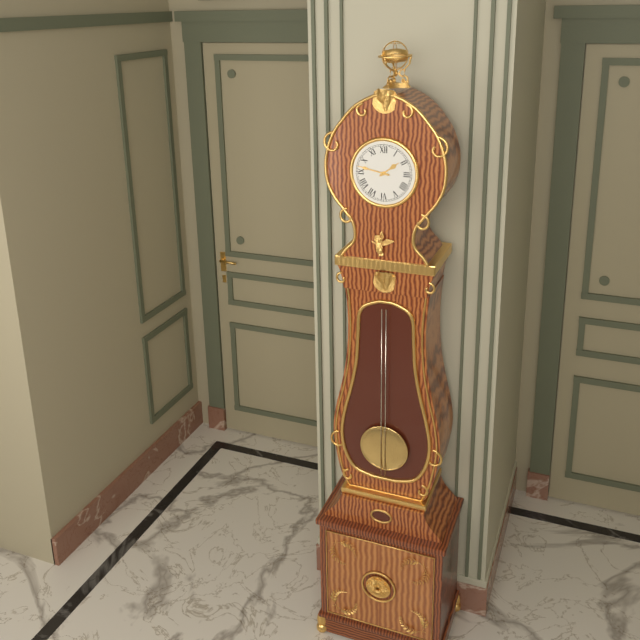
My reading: 1:47
